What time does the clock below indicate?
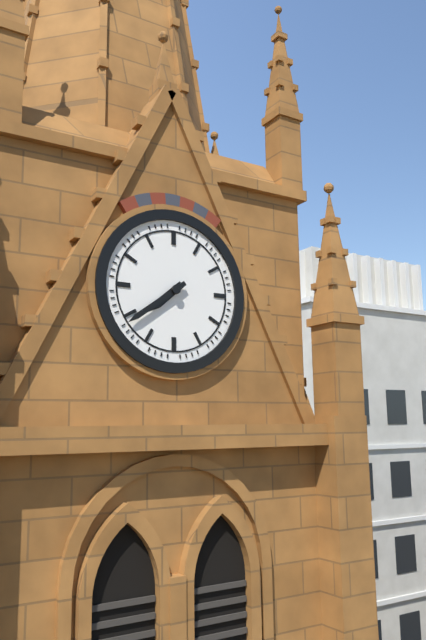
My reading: 7:39
